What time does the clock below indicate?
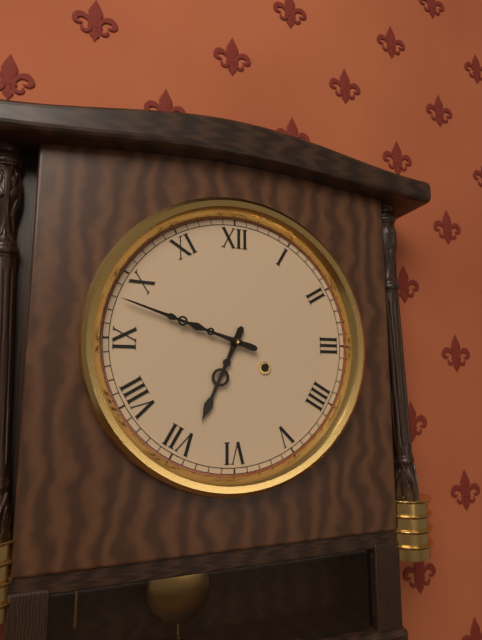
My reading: 6:48
